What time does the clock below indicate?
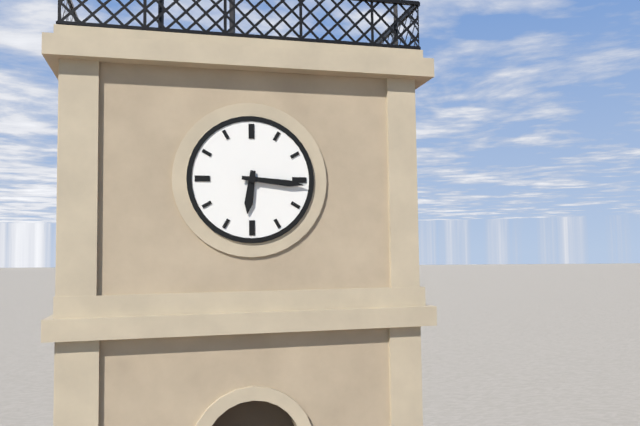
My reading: 6:16
